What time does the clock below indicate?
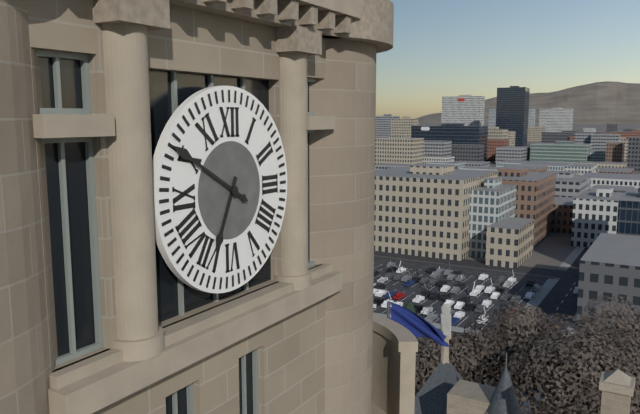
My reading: 6:50
